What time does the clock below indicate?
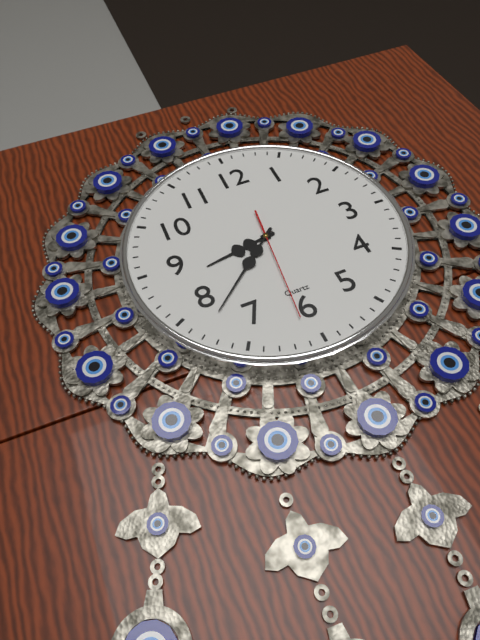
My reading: 8:38:31
